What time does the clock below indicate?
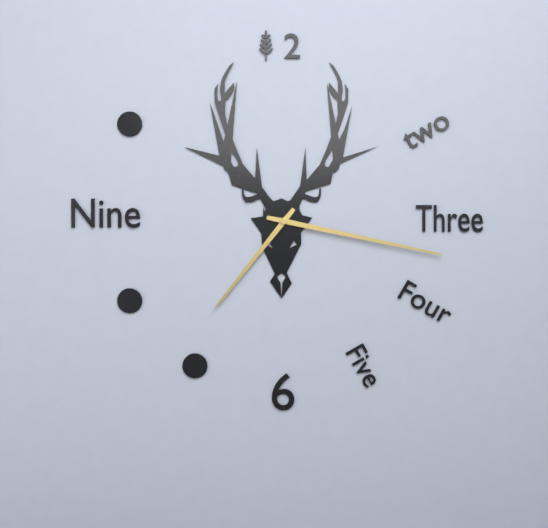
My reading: 7:17
